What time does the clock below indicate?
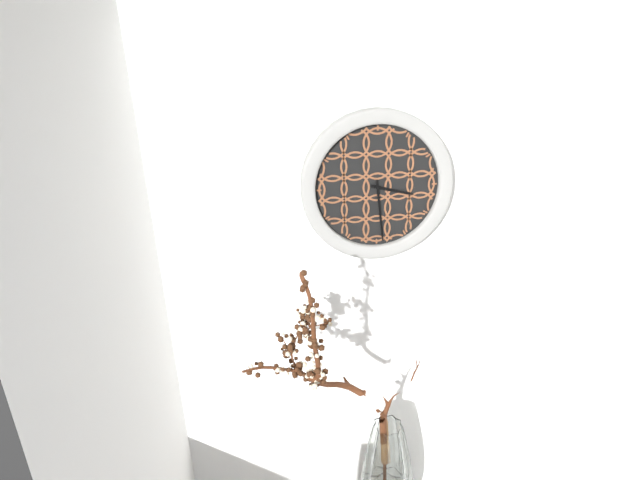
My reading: 3:29
